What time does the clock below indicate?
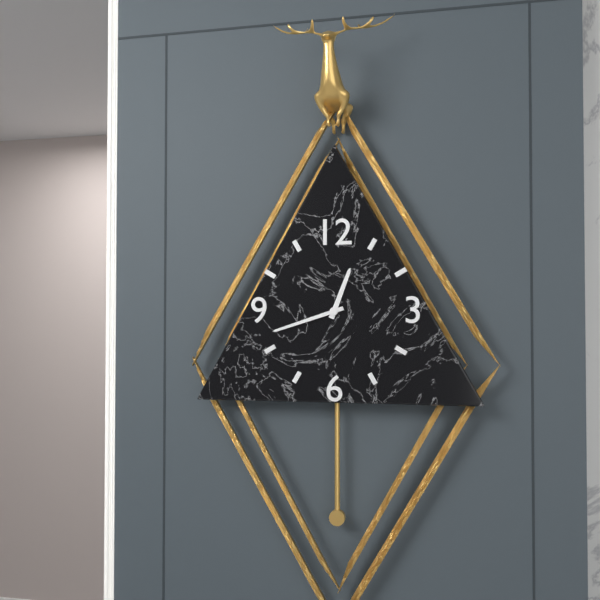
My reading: 12:42
